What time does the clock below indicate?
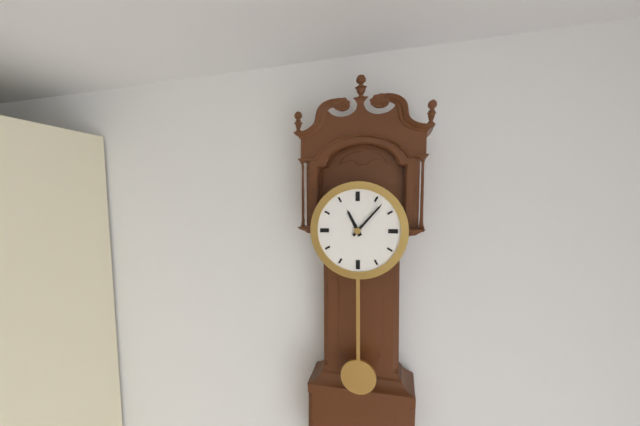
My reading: 11:07
